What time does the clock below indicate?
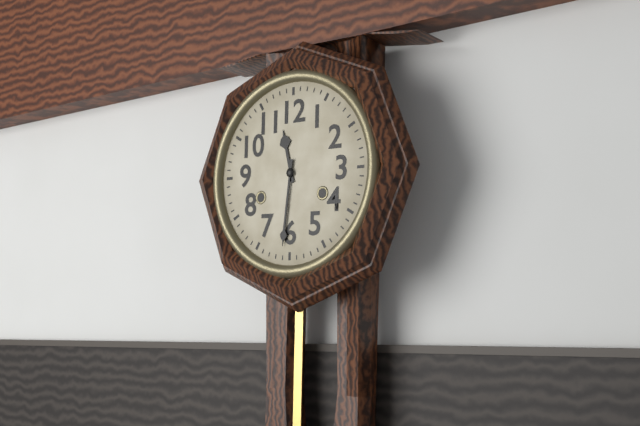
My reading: 11:31
